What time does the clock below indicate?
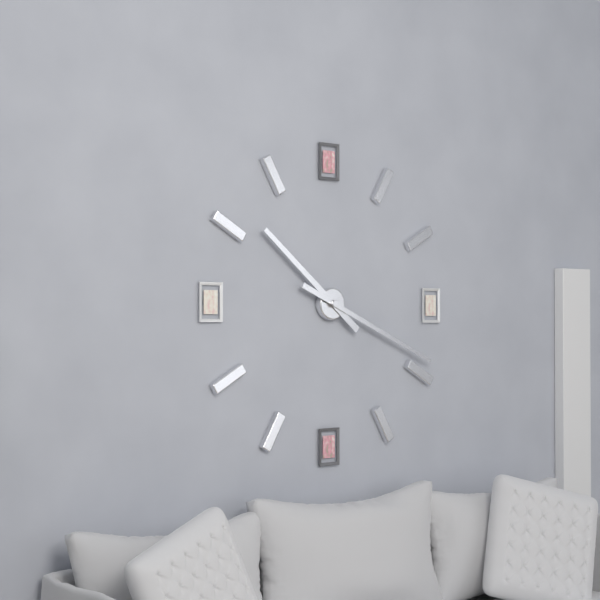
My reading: 10:19
